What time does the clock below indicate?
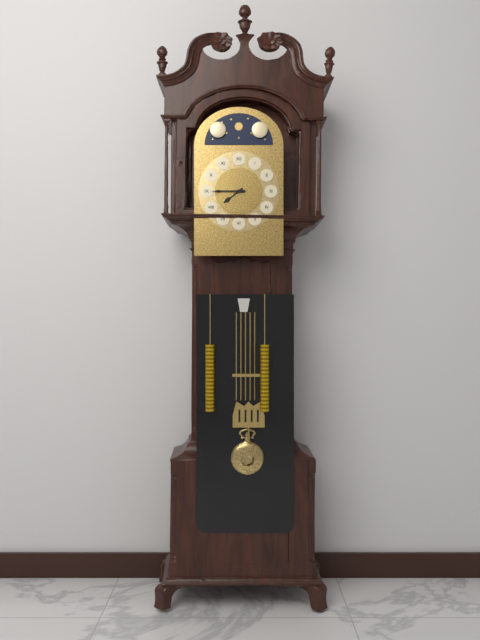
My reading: 7:45
